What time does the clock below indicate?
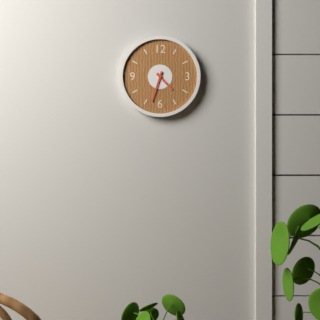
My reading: 4:33
